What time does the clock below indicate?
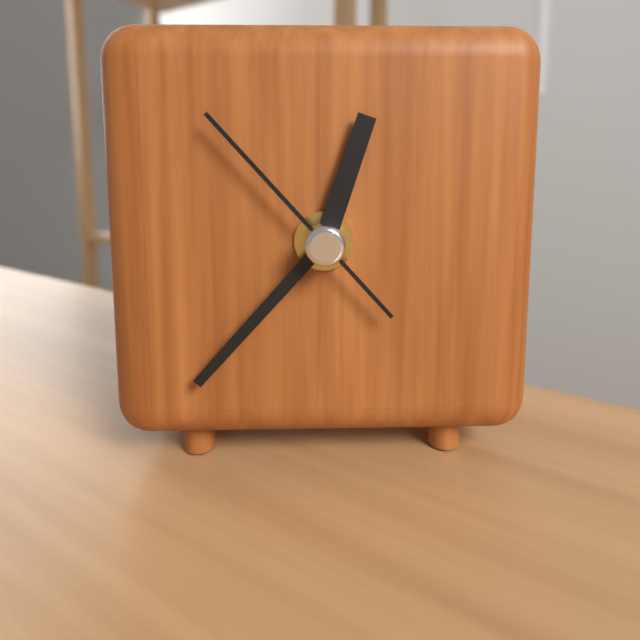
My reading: 12:37:53
